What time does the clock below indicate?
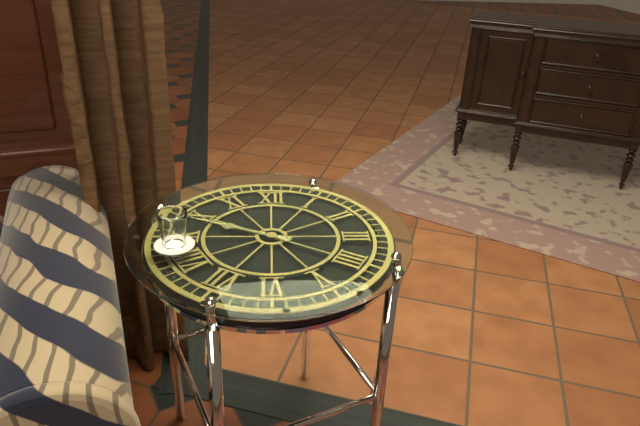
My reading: 9:49
